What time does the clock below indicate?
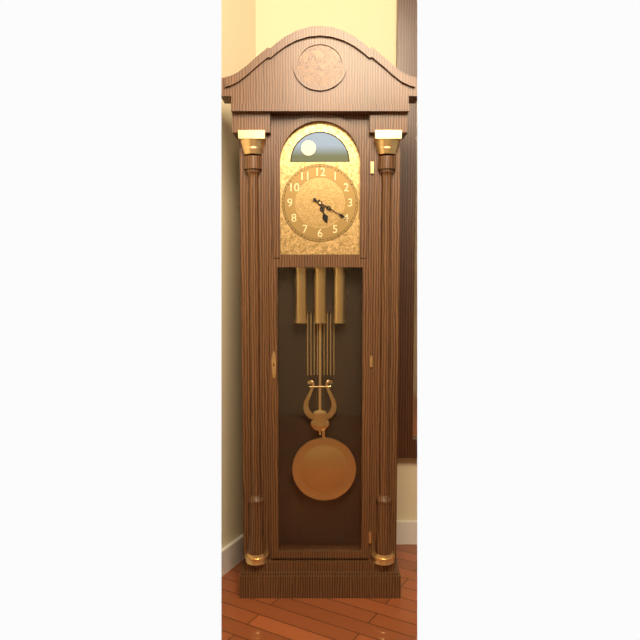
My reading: 5:20
